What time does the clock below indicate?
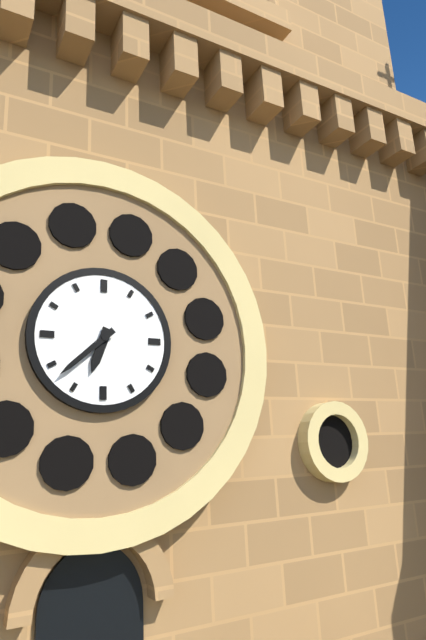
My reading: 6:38
